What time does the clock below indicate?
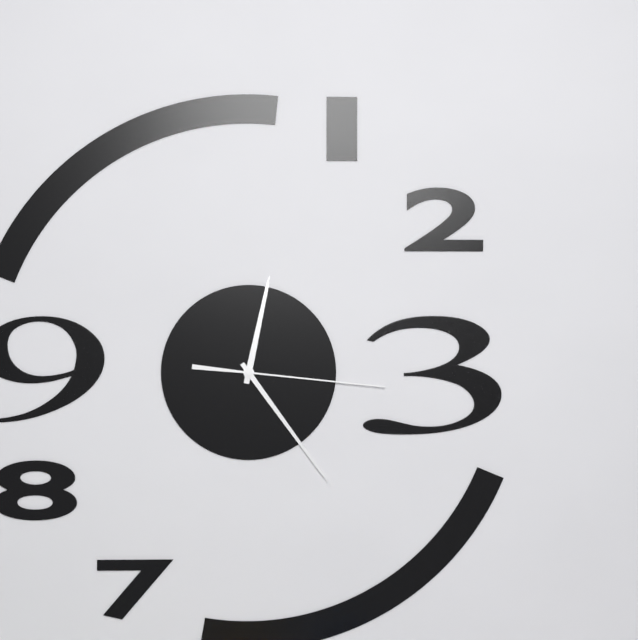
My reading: 12:24:16
